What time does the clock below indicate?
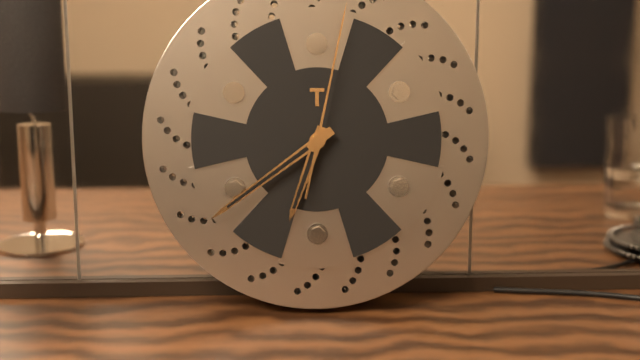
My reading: 6:39:02
